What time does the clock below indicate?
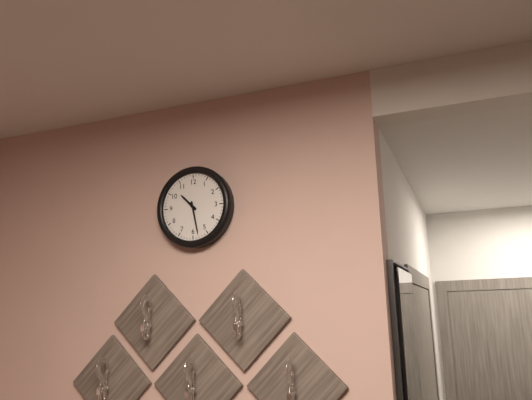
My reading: 10:28
